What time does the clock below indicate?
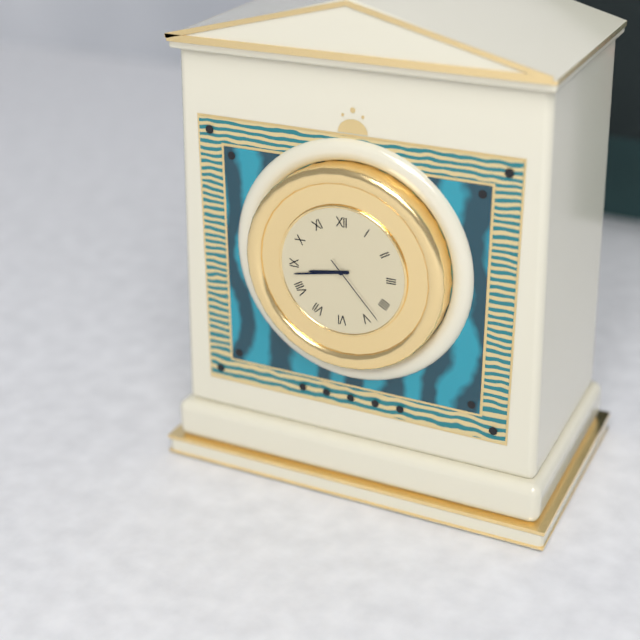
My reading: 8:43:23
